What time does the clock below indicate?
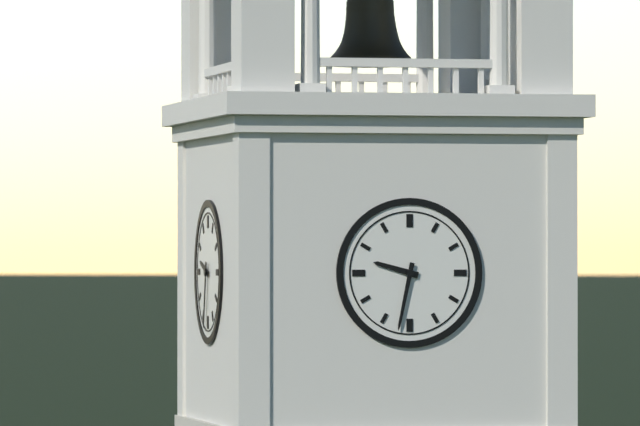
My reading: 9:32
